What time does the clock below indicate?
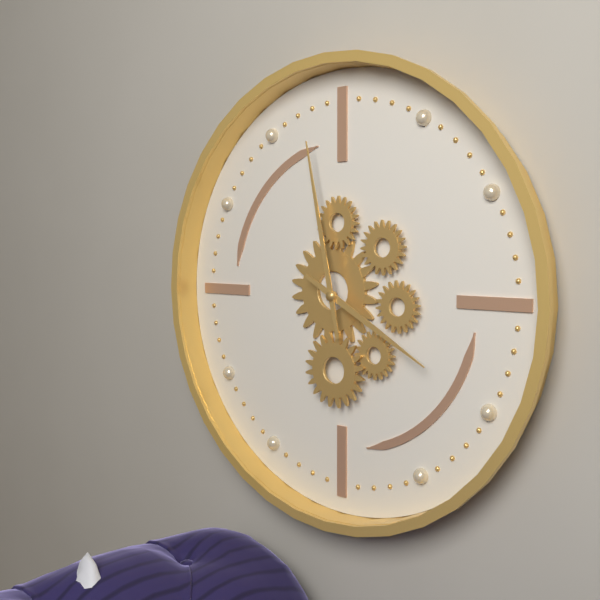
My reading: 3:58
